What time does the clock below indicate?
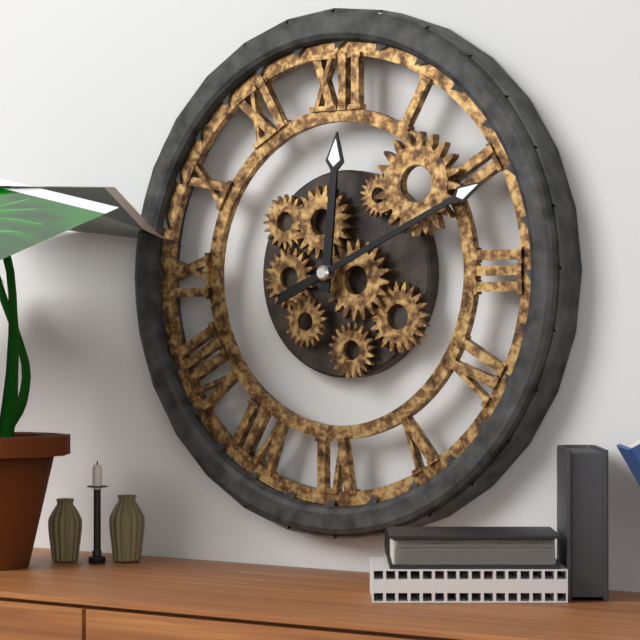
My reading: 12:11
